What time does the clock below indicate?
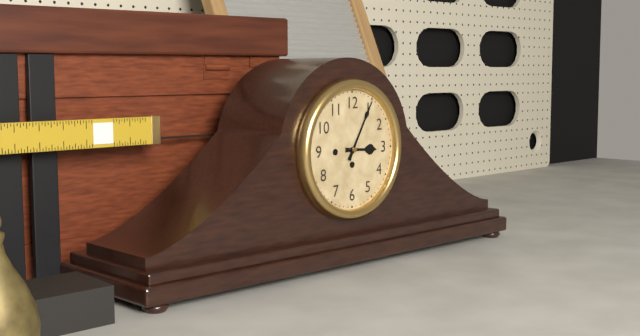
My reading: 3:05
